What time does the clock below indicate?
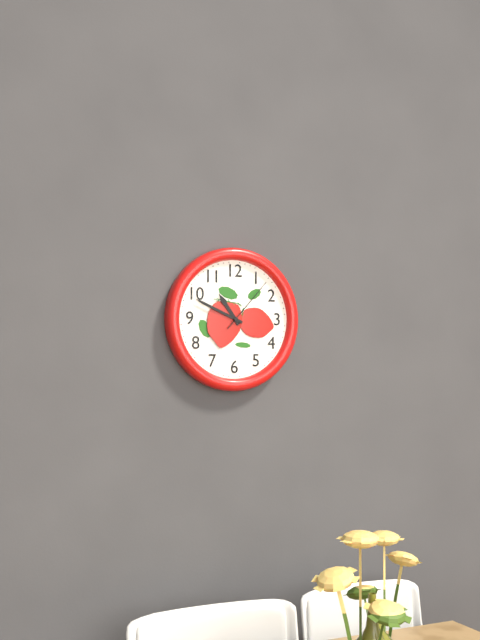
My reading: 10:49:07
